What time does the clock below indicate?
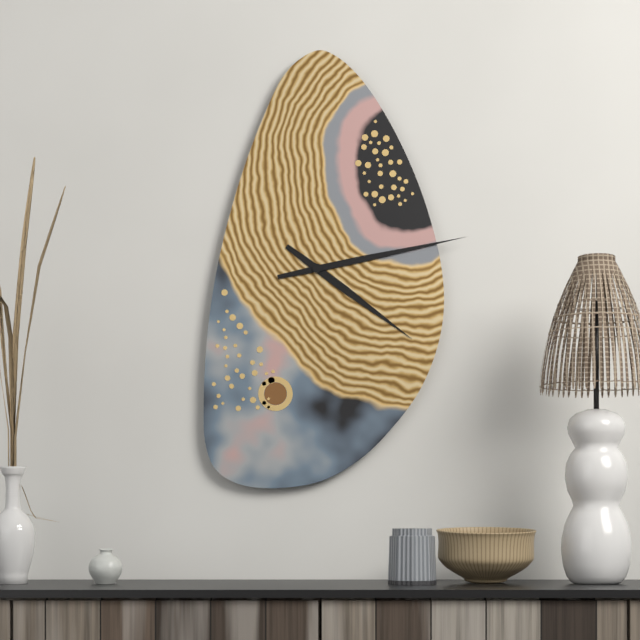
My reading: 4:13
